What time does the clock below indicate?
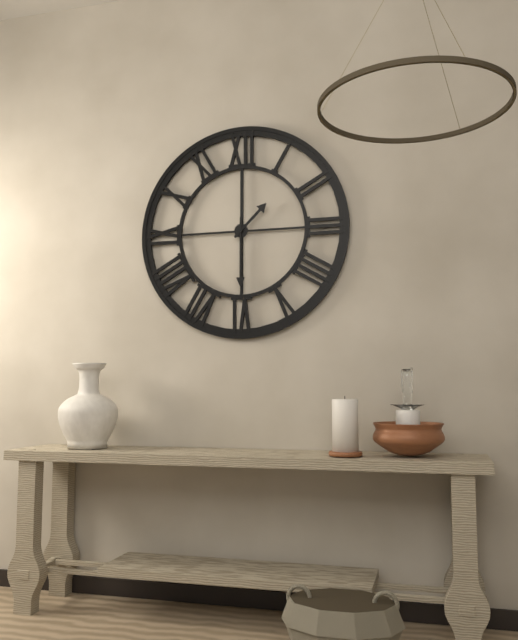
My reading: 1:30
